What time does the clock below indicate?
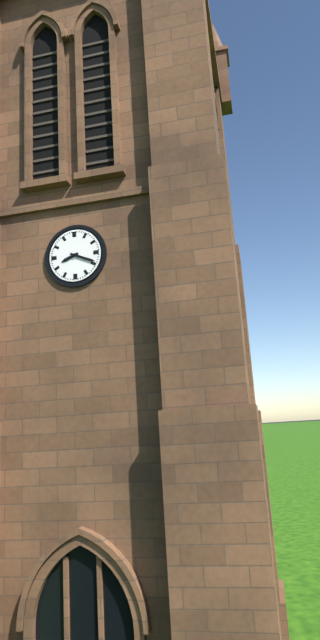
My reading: 8:19
